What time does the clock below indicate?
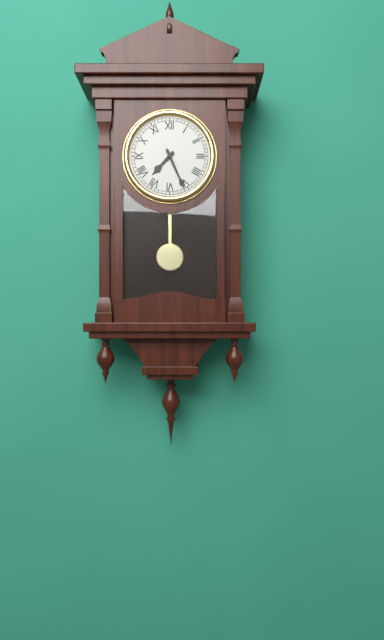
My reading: 7:26
